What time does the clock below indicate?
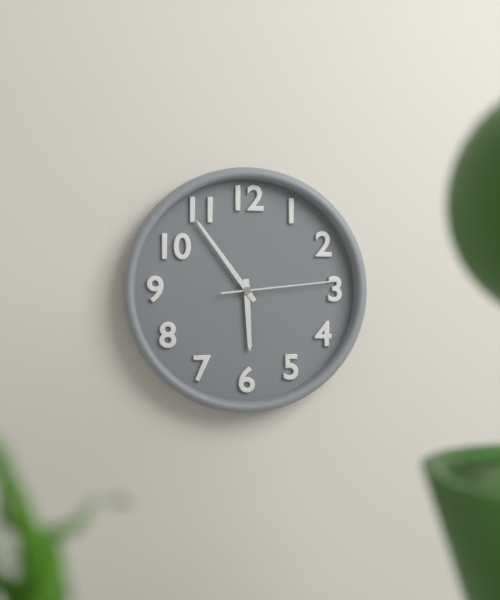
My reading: 5:54:14
